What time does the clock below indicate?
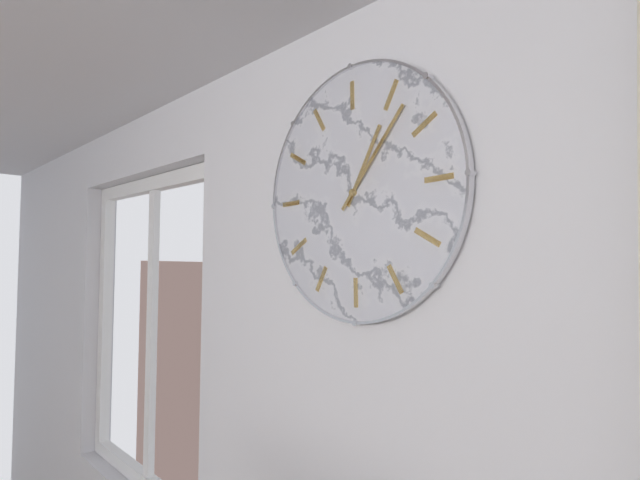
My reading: 12:02
